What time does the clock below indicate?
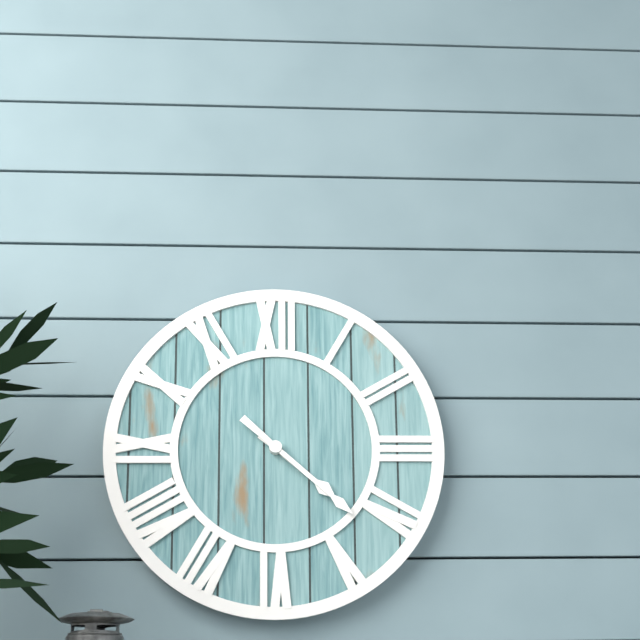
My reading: 4:22
